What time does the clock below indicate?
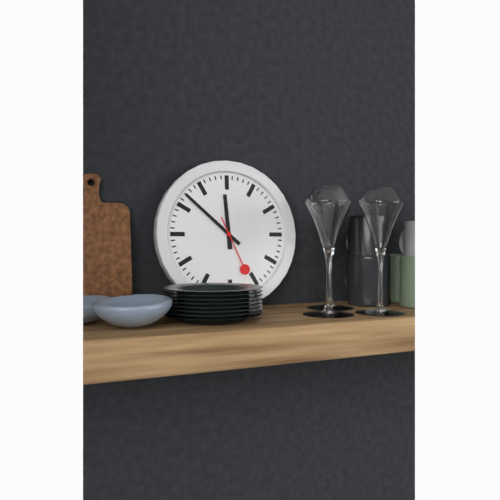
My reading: 11:52:26
